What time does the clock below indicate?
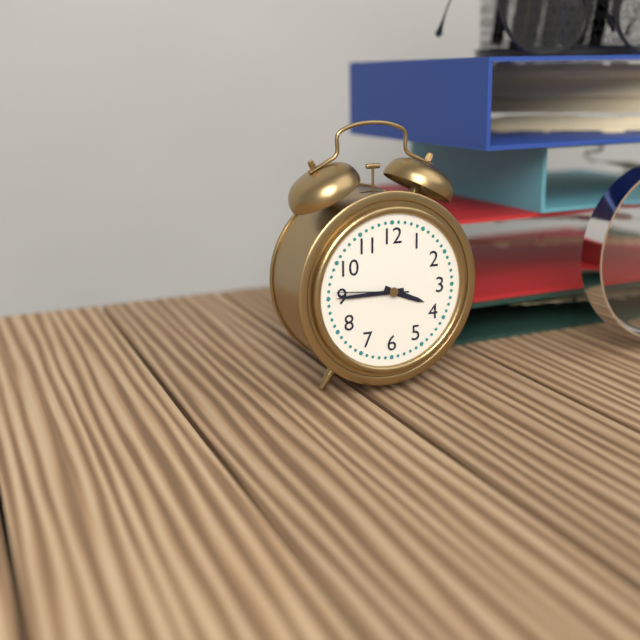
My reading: 3:45:46
